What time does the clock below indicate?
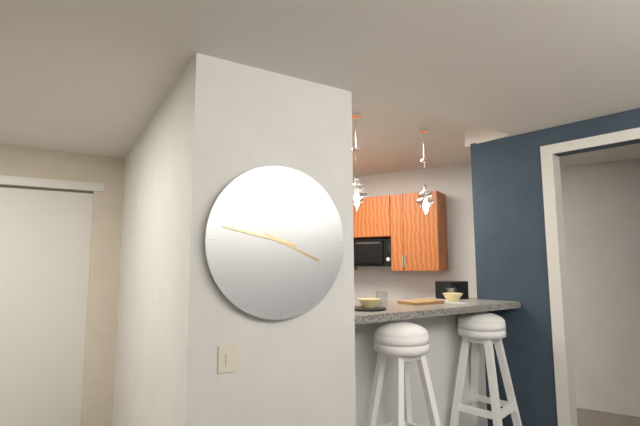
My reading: 3:47
